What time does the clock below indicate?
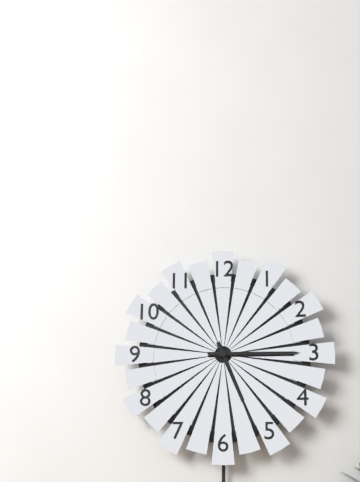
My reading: 5:15
